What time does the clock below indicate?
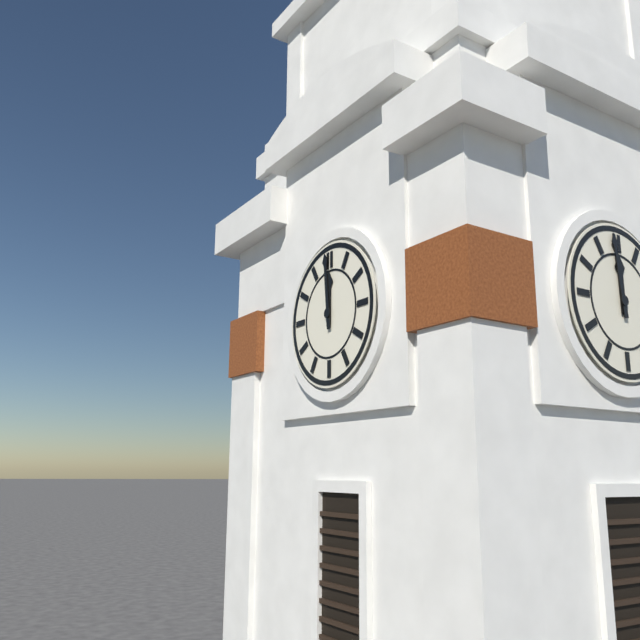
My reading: 11:59
